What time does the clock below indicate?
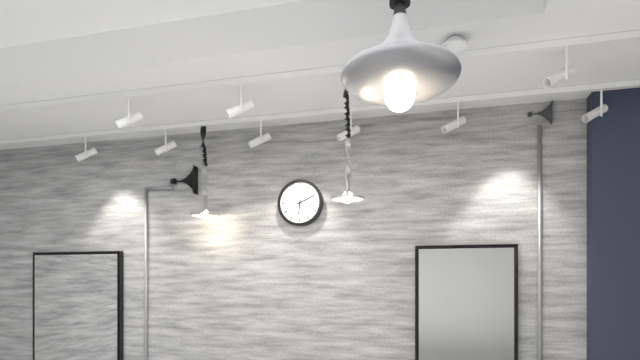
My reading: 6:11
